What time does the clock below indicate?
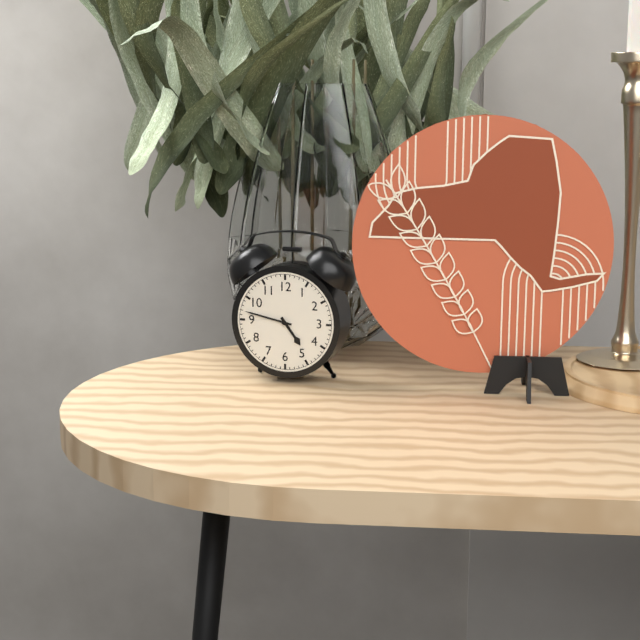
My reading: 4:47
